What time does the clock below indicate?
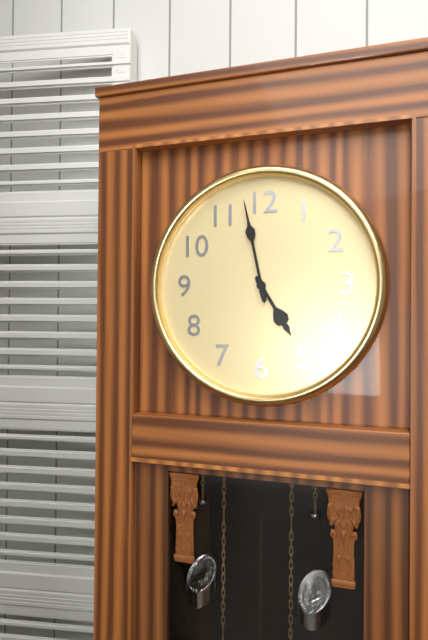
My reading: 4:58
